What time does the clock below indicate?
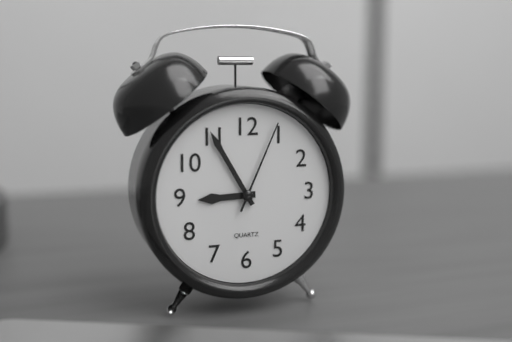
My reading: 8:55:04
